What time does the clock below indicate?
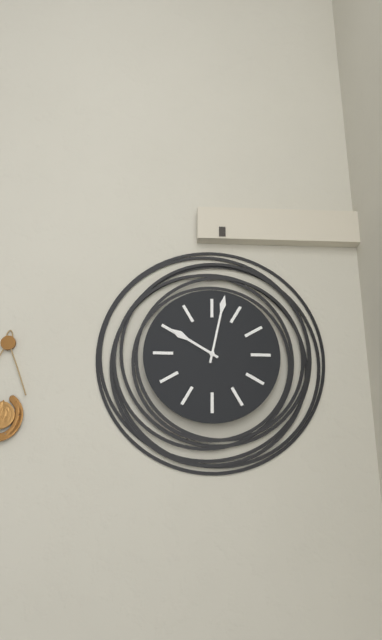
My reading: 10:02
